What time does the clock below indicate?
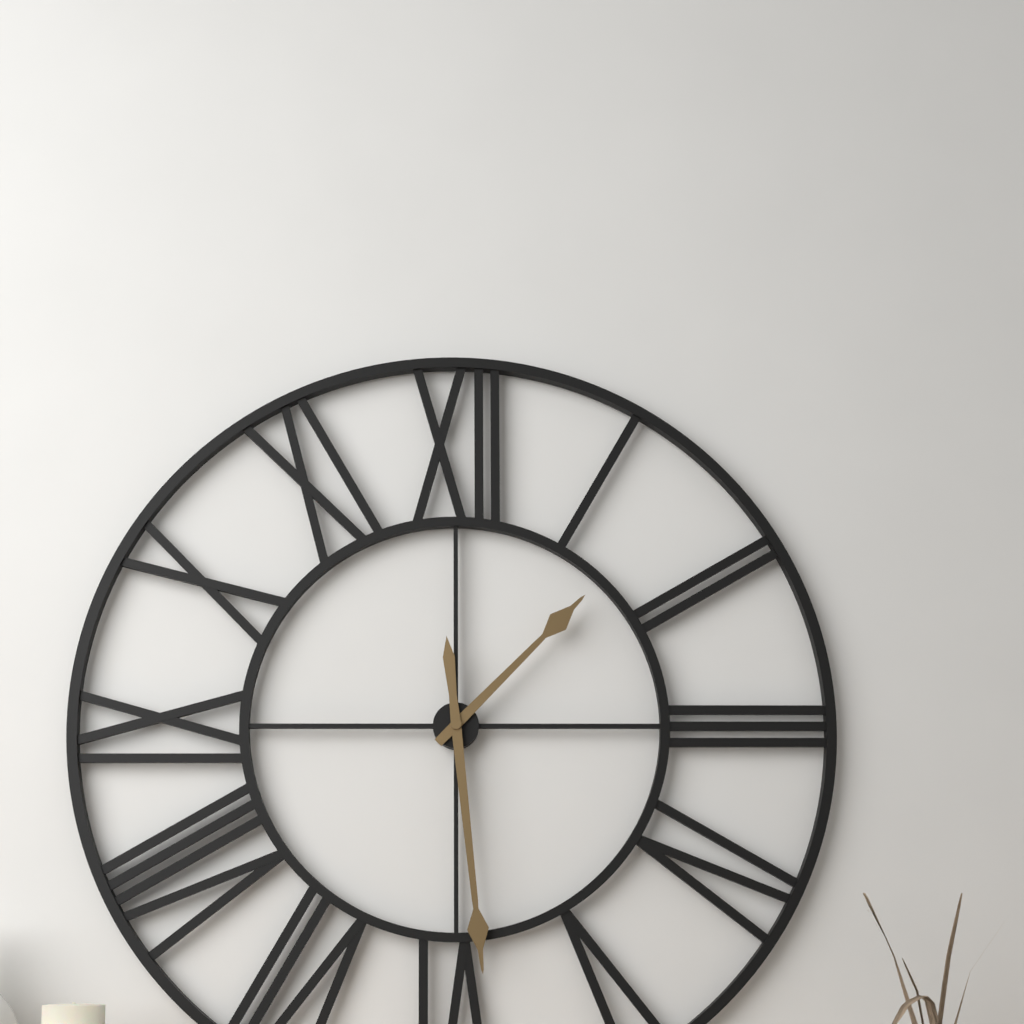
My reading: 1:29
